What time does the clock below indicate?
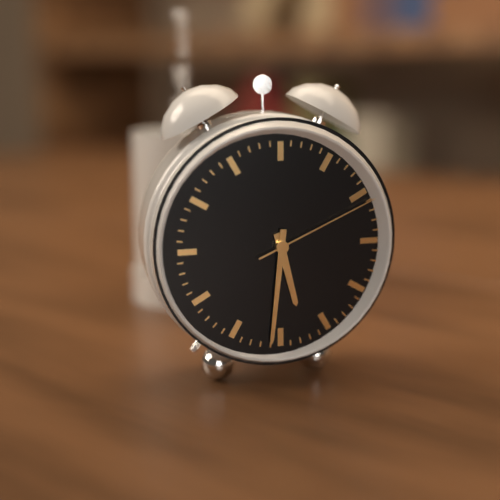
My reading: 5:31:11
